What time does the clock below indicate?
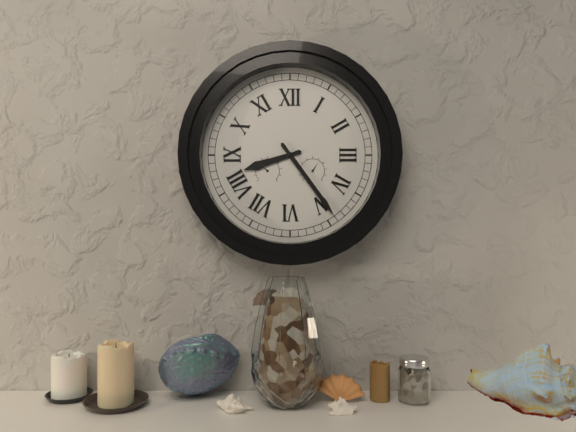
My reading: 8:24
